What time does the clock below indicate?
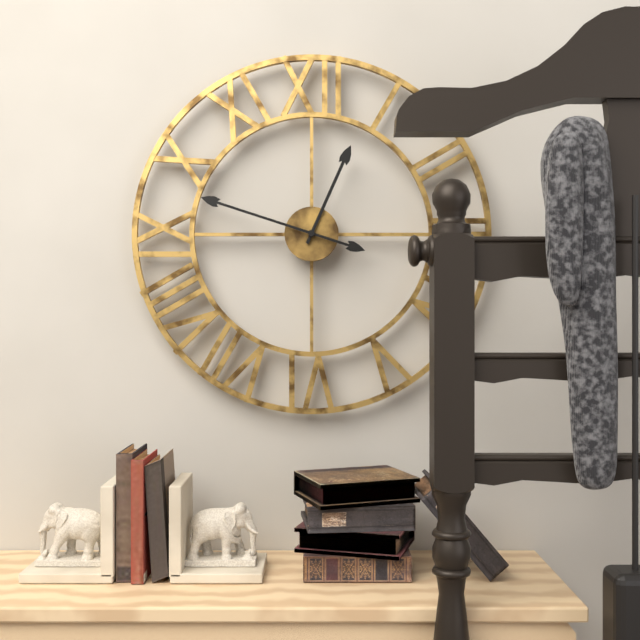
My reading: 12:48
